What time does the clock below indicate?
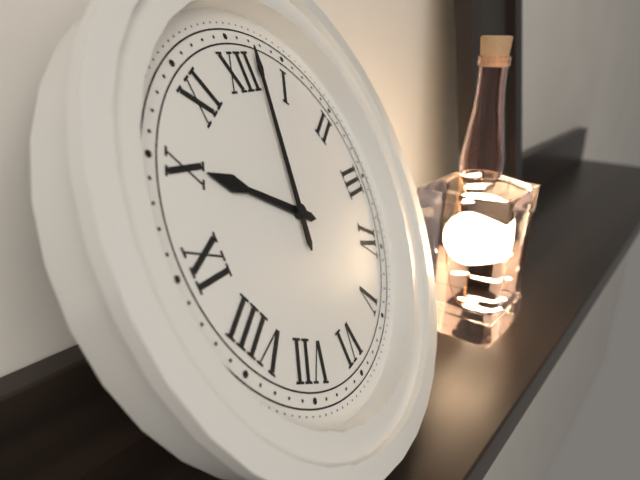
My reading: 10:02
